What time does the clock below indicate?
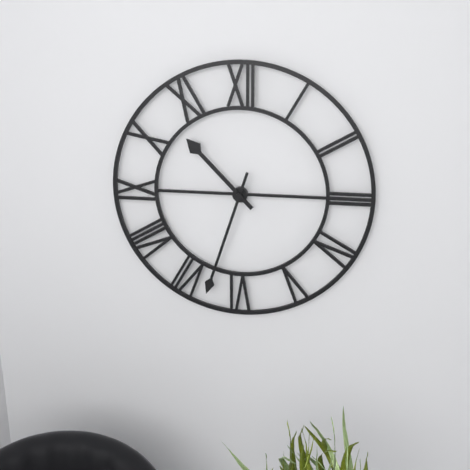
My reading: 10:33
